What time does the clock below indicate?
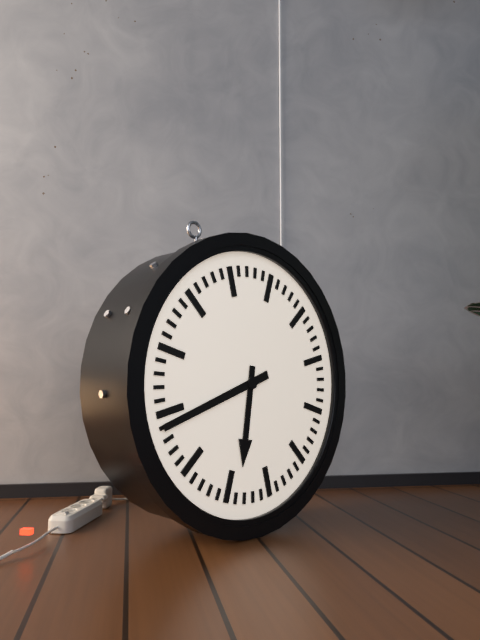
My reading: 6:44
